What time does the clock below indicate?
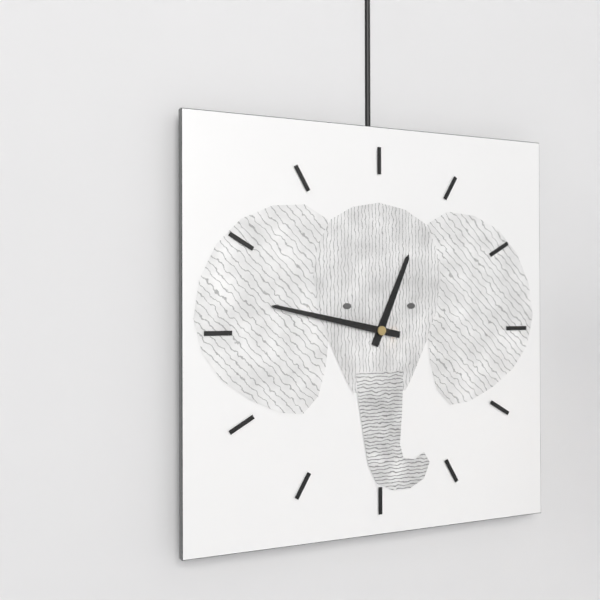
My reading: 12:47
